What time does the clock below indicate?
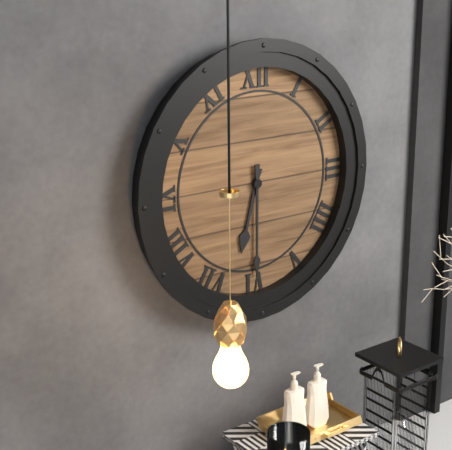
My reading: 6:30
